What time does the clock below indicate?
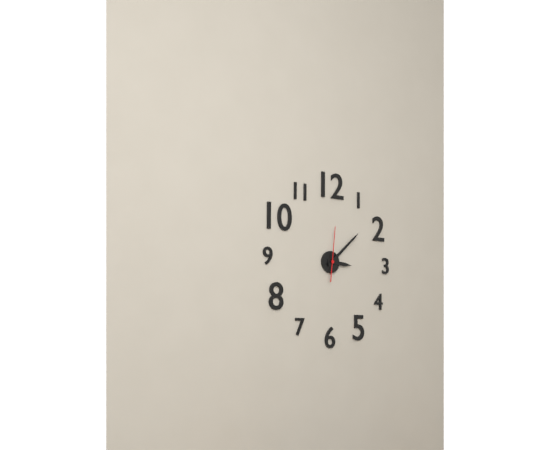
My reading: 3:08
